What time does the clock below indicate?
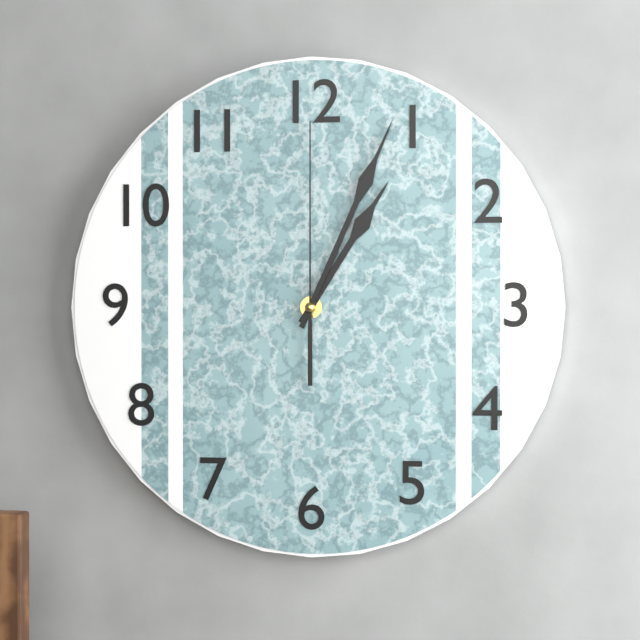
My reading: 1:04:00
